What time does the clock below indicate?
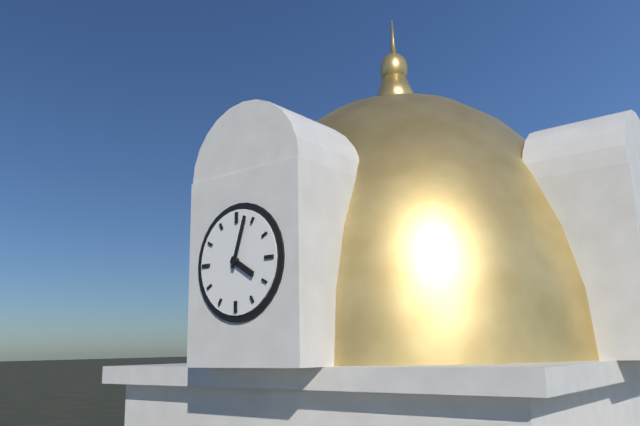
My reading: 4:03
